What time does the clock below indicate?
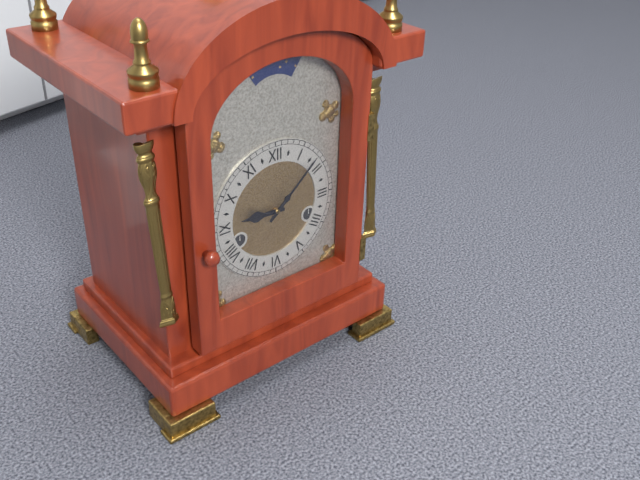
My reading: 9:08
